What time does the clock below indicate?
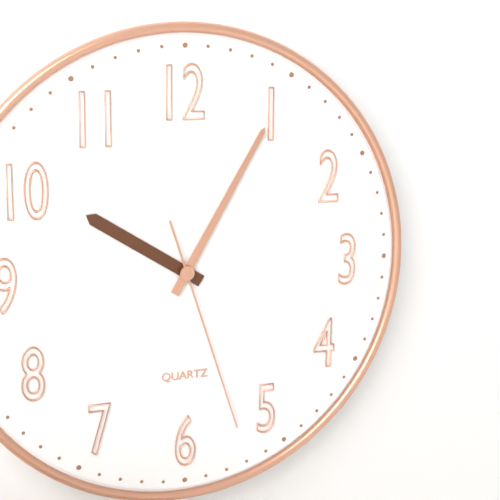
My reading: 10:05:27
